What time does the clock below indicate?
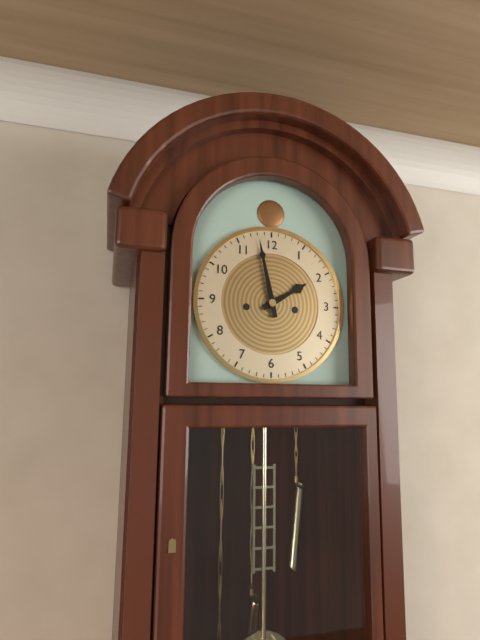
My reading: 1:58
